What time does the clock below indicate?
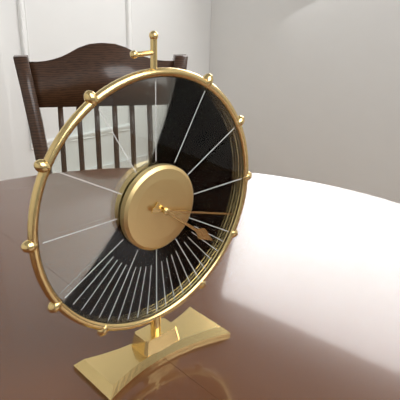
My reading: 4:18
